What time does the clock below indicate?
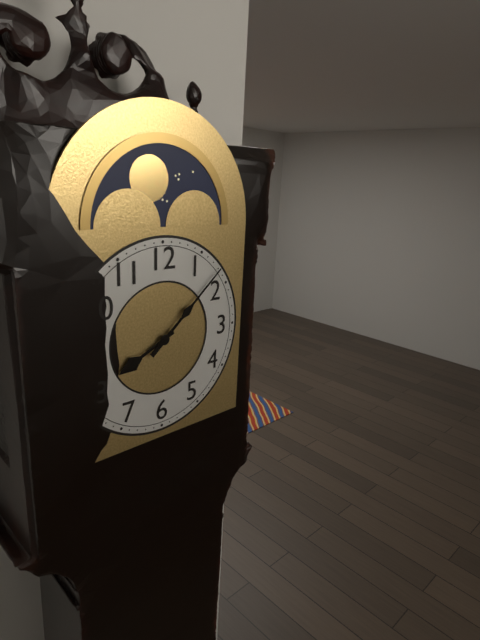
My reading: 8:08
